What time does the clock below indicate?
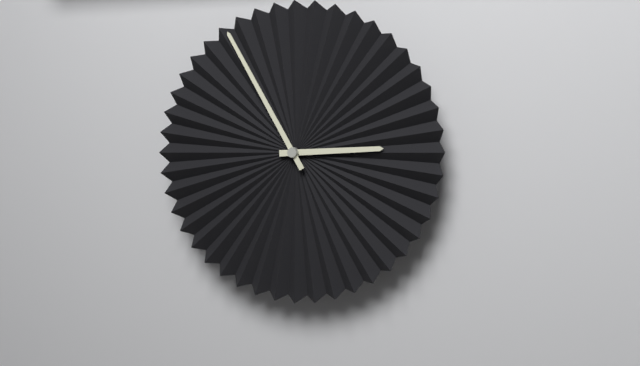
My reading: 2:55
